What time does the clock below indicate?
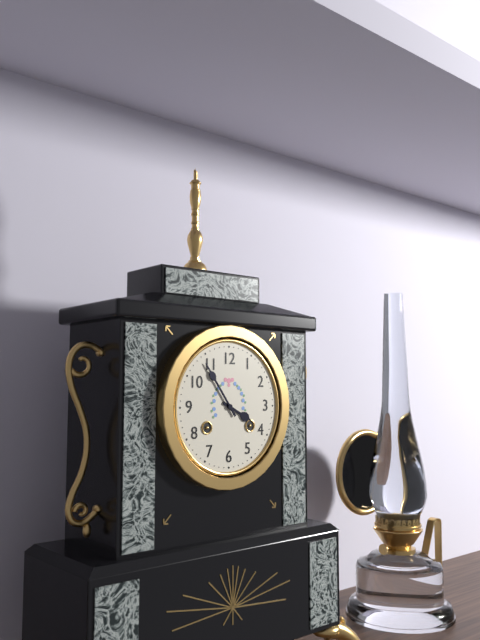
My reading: 3:54
